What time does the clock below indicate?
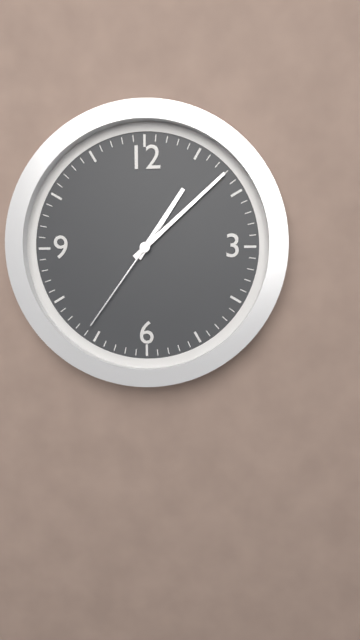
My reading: 1:08:36
